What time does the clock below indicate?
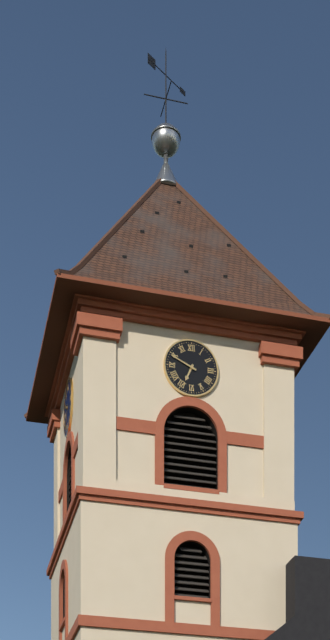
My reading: 6:49
